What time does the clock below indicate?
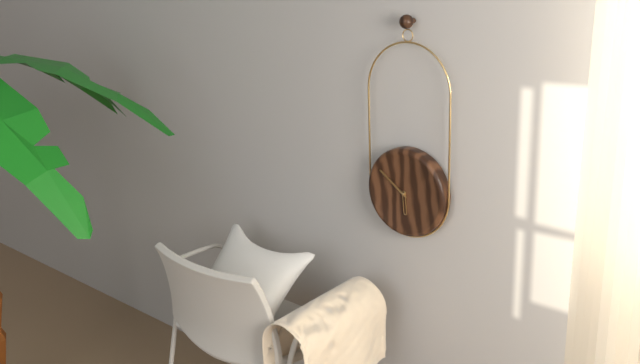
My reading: 5:51
